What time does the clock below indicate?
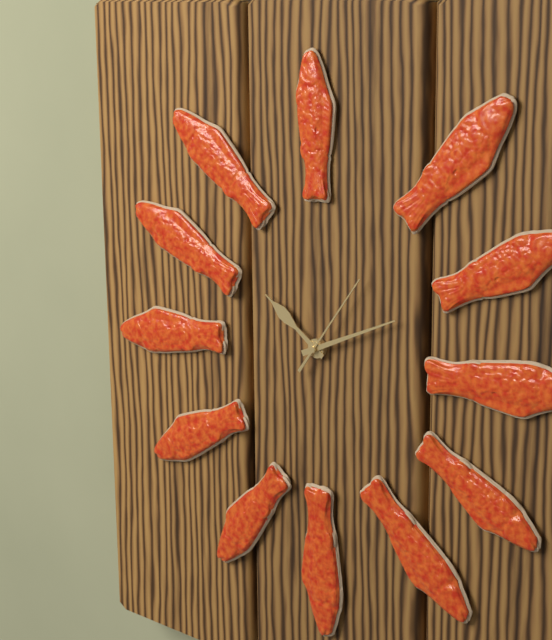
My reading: 10:11:06
